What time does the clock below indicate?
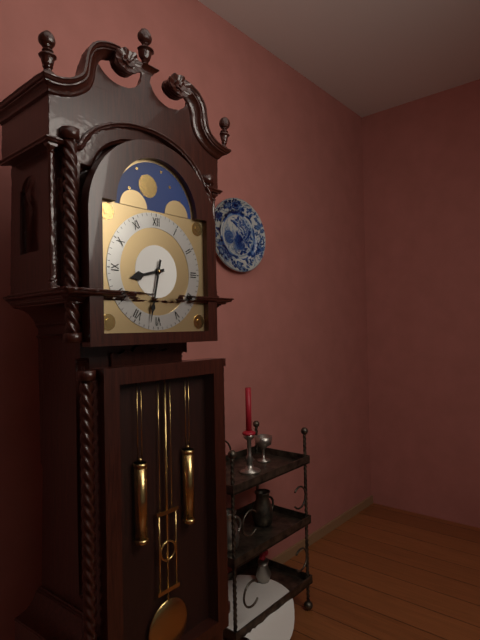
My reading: 8:32
